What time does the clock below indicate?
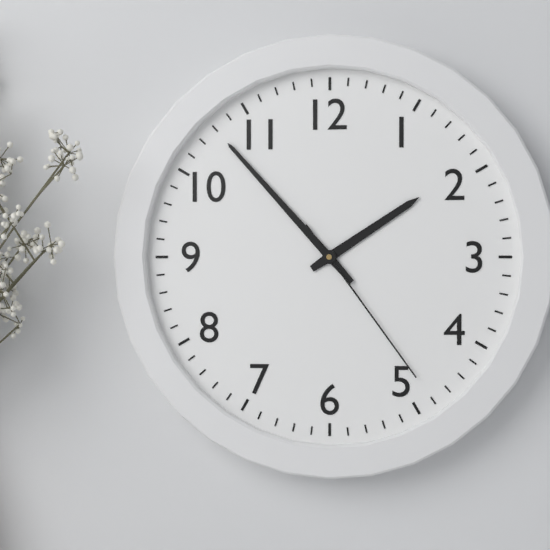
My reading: 1:53:24
